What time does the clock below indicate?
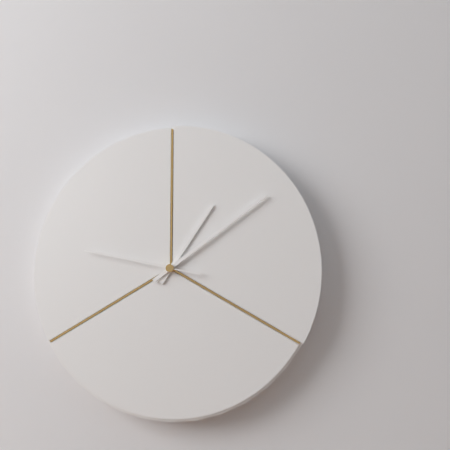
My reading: 1:09:47
